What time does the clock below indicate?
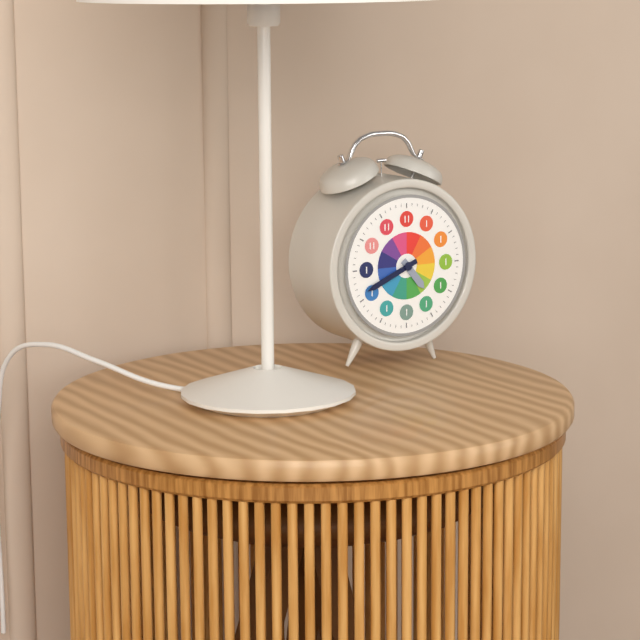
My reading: 4:41
